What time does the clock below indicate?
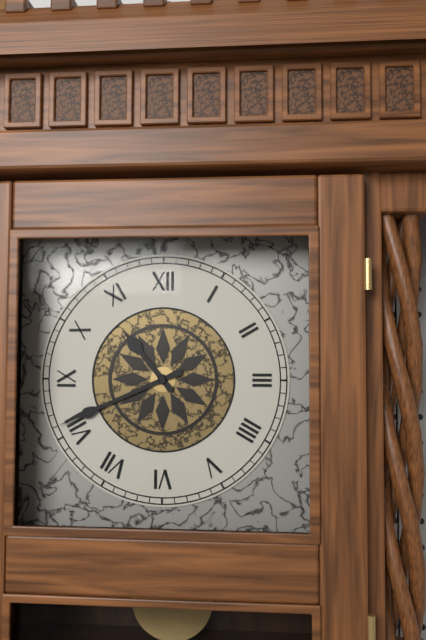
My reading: 10:41
